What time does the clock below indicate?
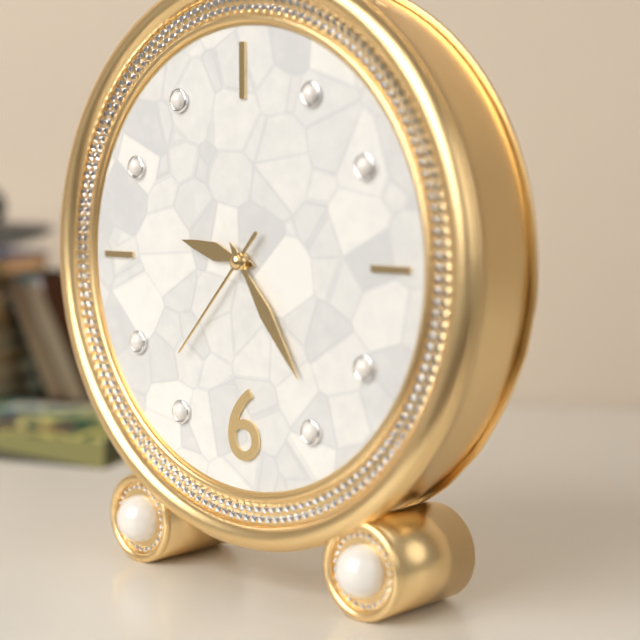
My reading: 9:24:37
